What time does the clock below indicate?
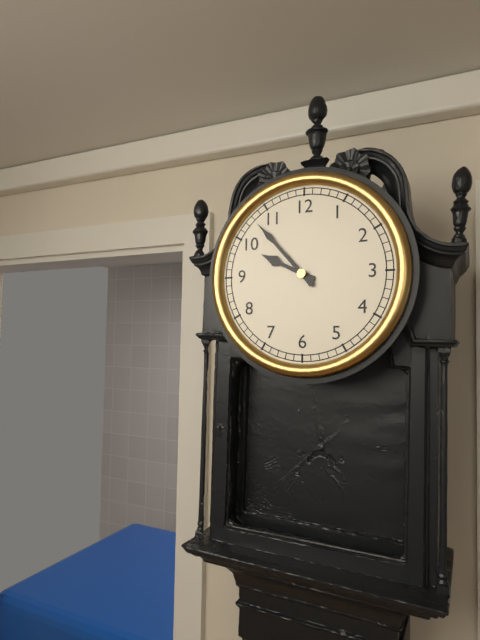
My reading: 9:53
